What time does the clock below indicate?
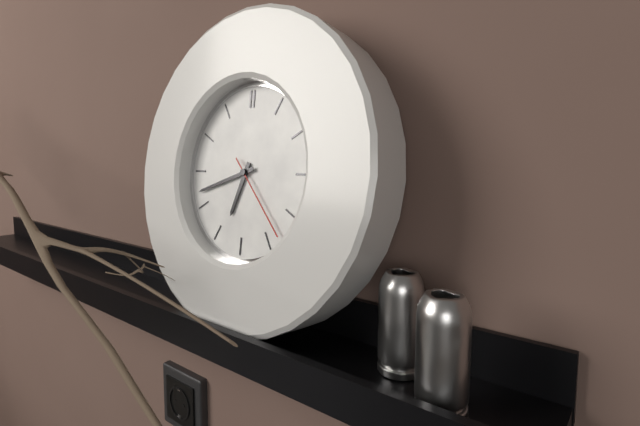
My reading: 6:42:23
